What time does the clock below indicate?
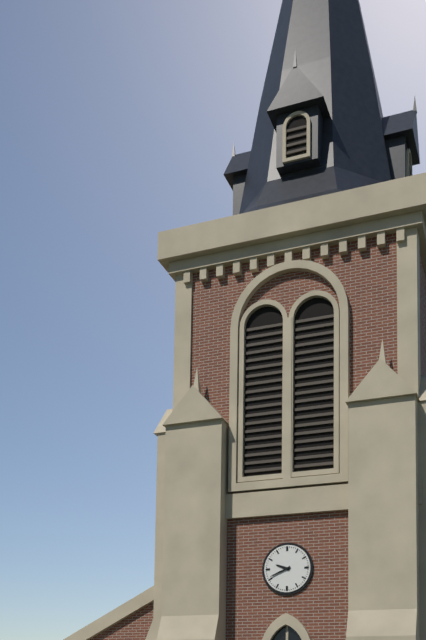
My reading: 9:41
